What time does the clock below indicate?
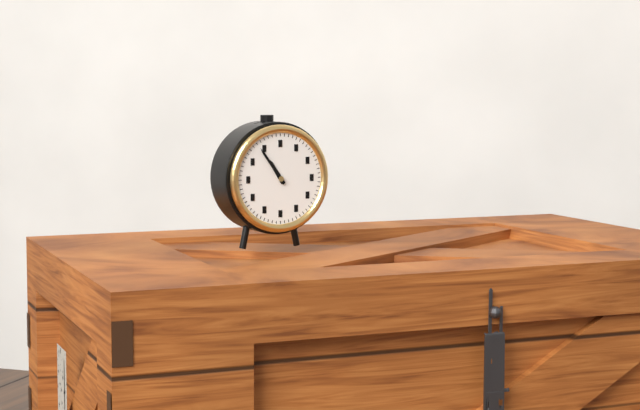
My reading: 10:54
